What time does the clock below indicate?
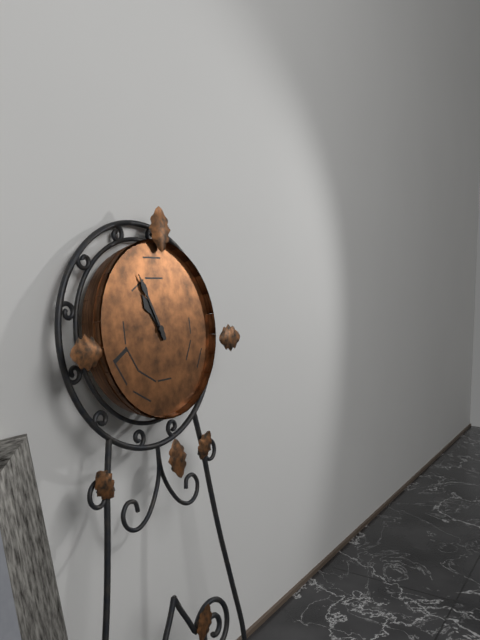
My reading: 10:56
